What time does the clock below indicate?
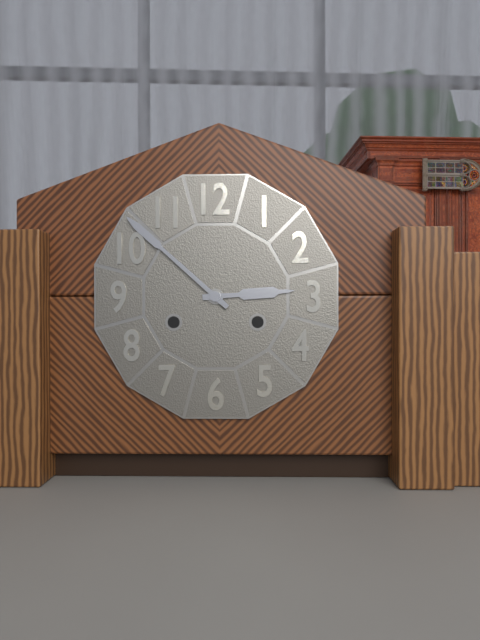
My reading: 2:52
